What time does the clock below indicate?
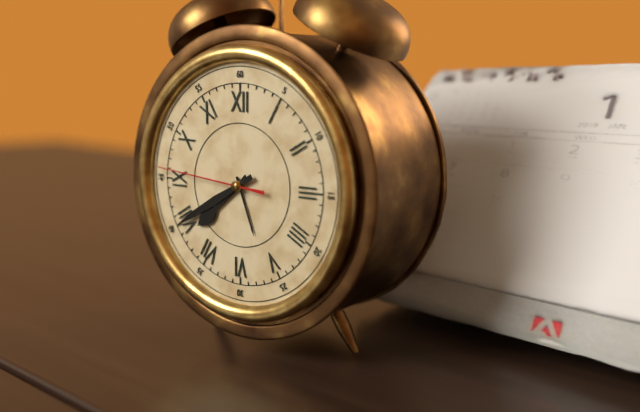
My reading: 7:40:46
